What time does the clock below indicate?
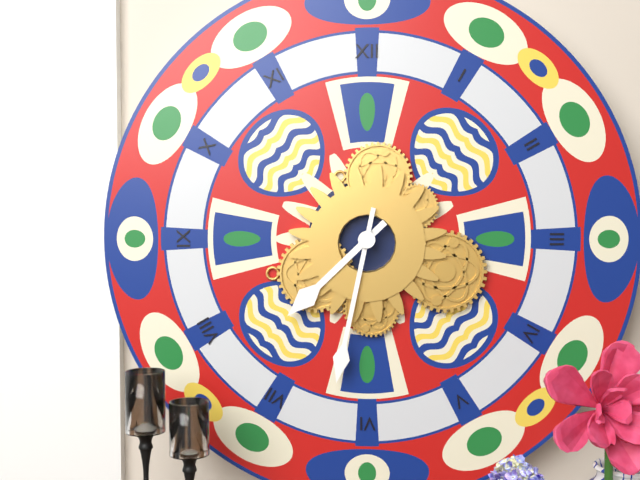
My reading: 7:32
